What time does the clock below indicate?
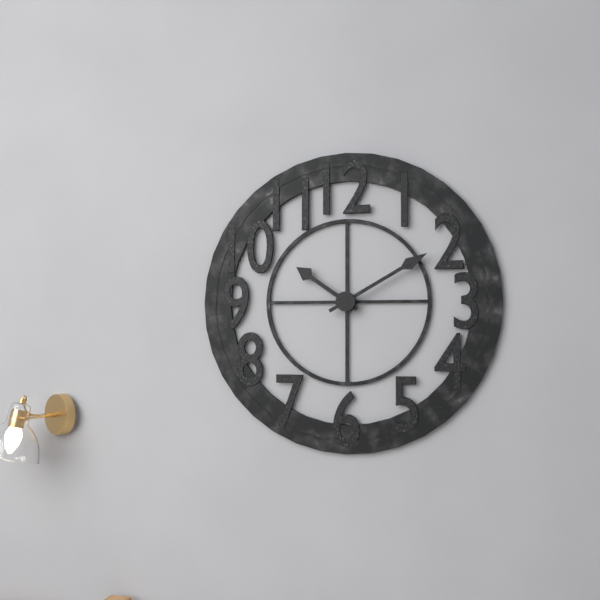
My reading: 10:10
